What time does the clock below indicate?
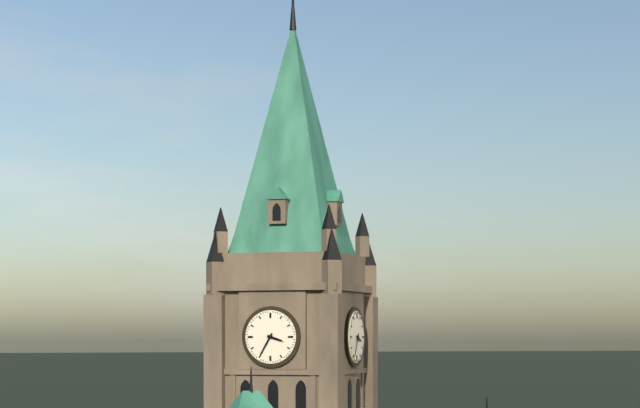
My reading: 3:35
